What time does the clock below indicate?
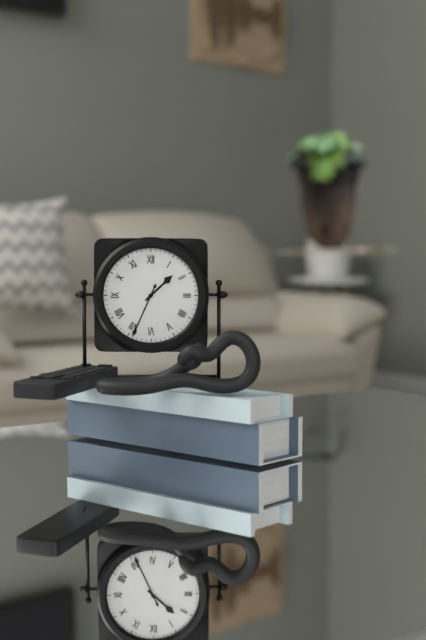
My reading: 1:34
